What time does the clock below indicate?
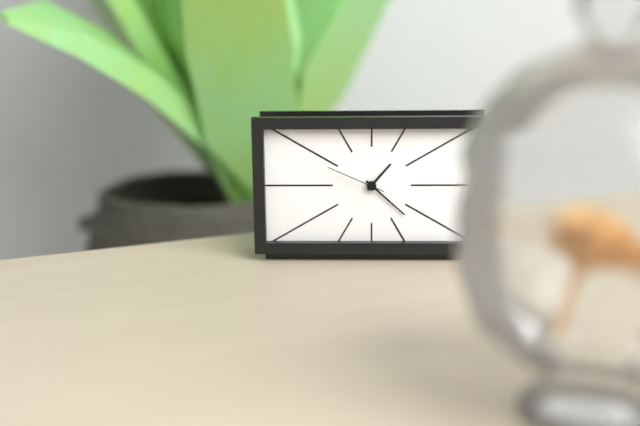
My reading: 1:22:49
